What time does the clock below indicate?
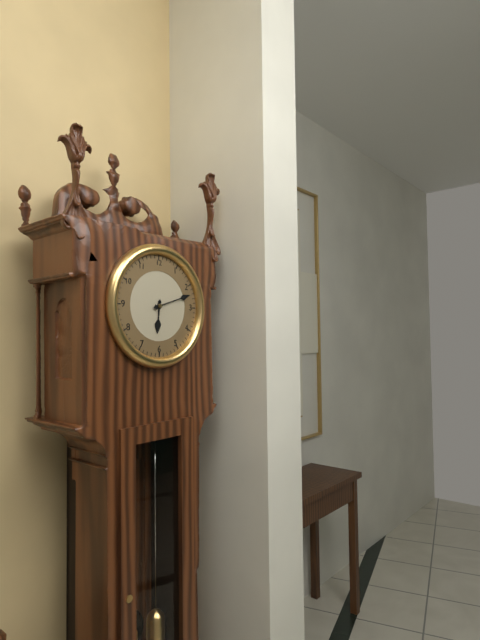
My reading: 6:12
